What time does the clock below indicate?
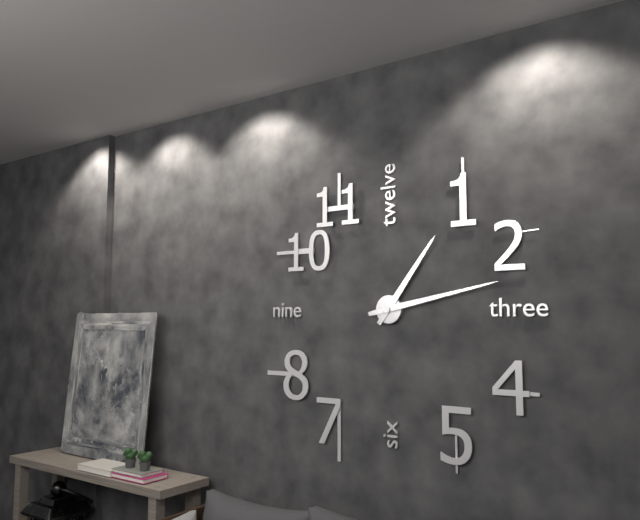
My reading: 1:13
